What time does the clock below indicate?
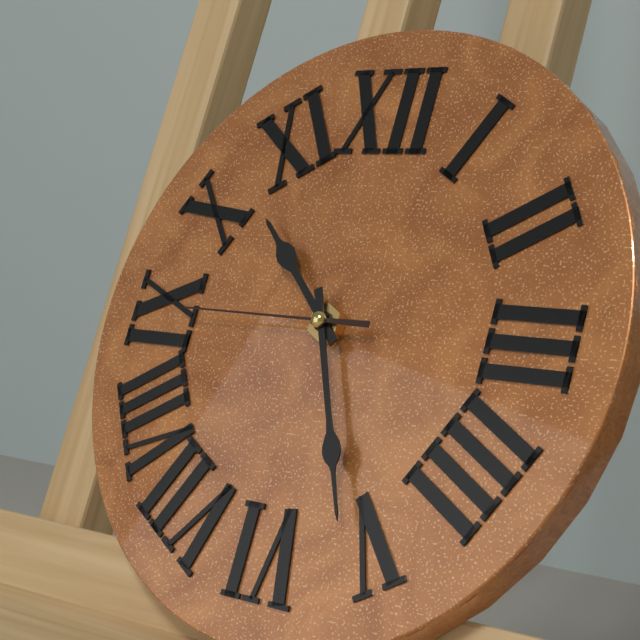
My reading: 10:26:45
